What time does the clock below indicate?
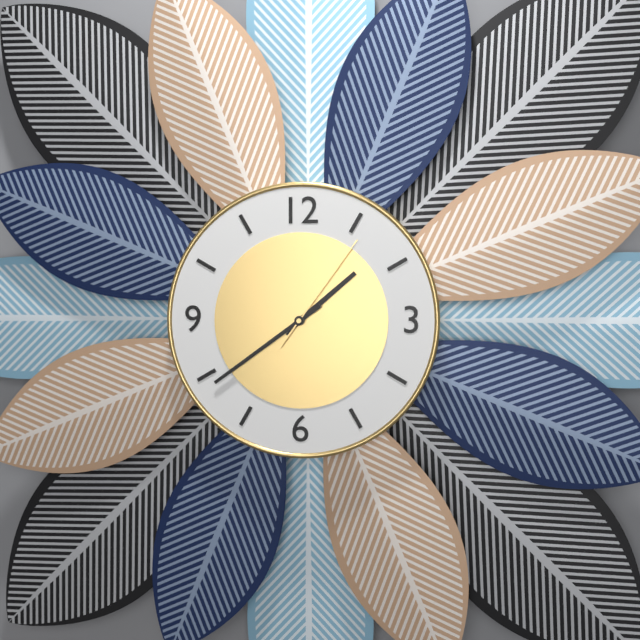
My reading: 1:39:06
